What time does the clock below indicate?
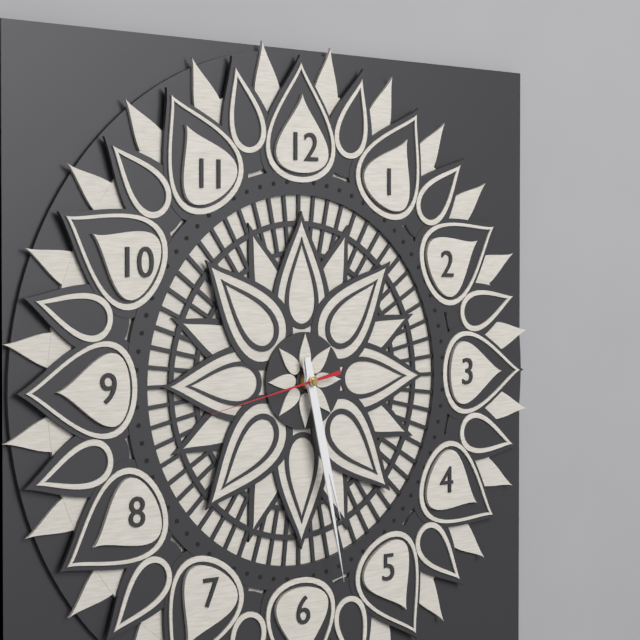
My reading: 5:28:43
